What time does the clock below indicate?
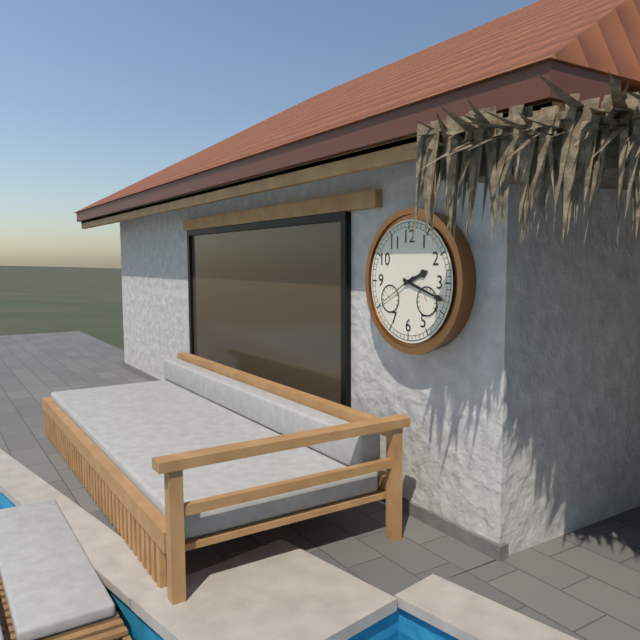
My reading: 2:18
